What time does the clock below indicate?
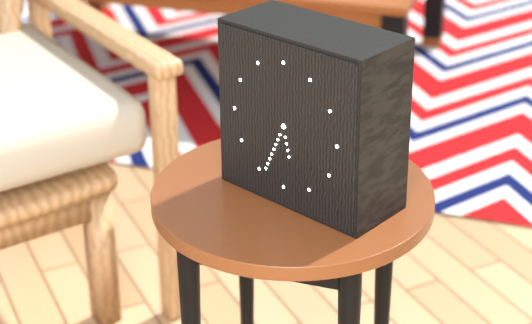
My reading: 5:34
